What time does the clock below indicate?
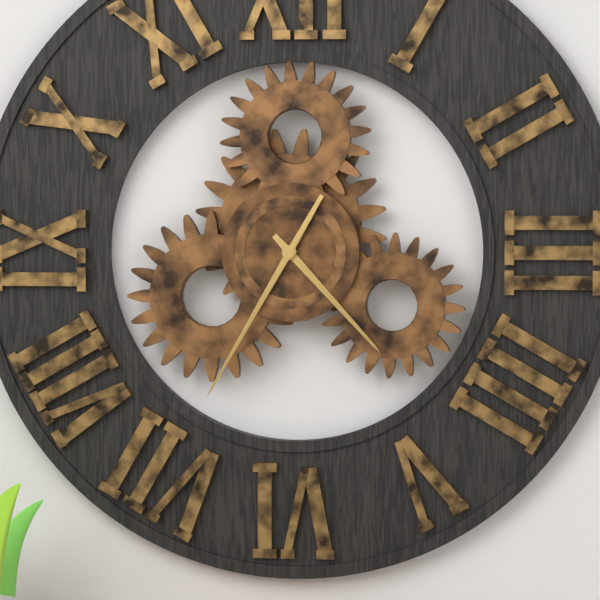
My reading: 4:35
